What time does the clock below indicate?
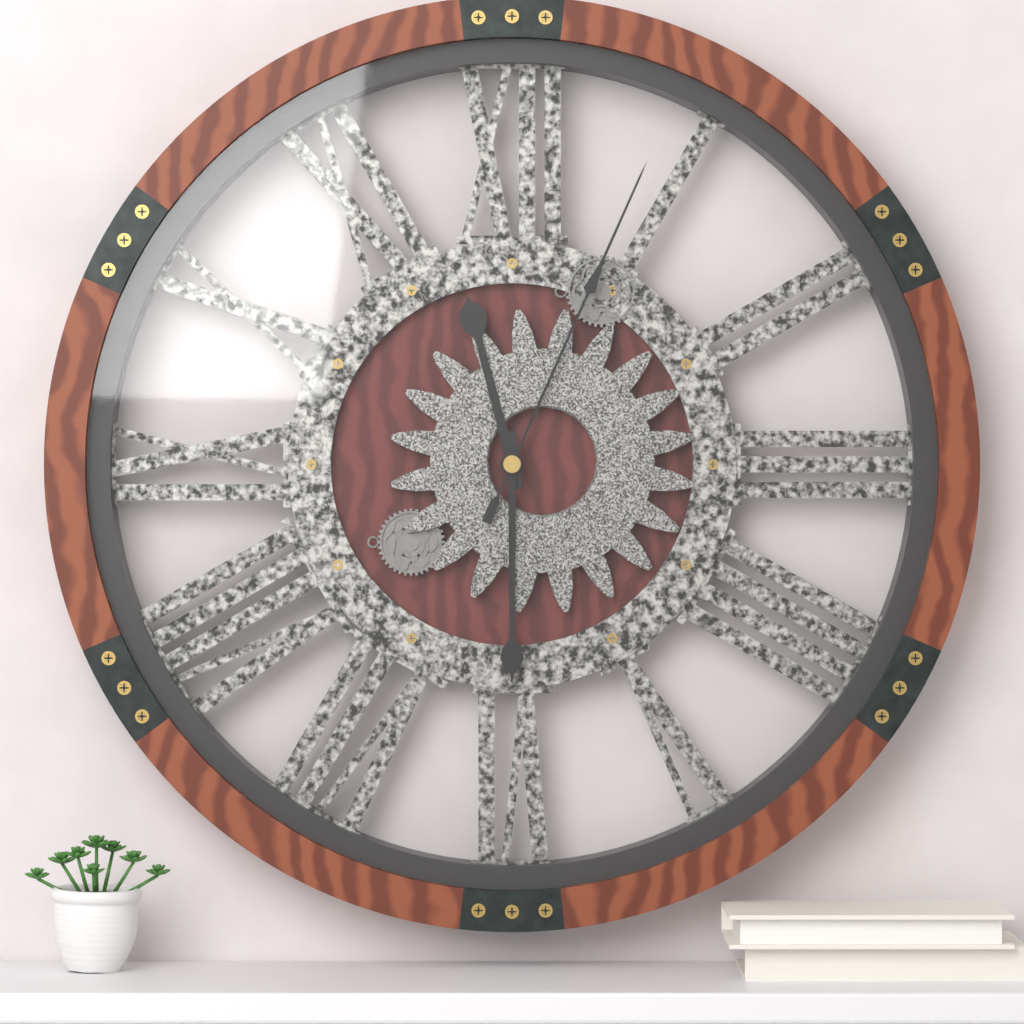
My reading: 11:30:04
